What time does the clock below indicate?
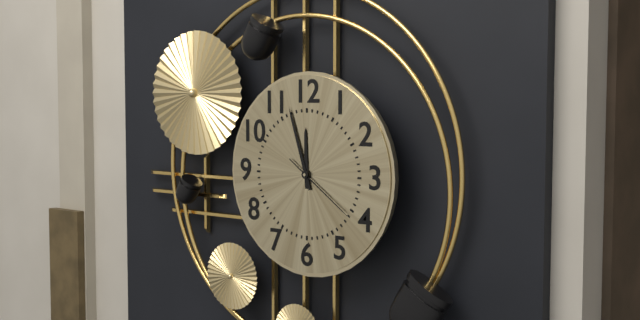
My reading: 11:57:21
